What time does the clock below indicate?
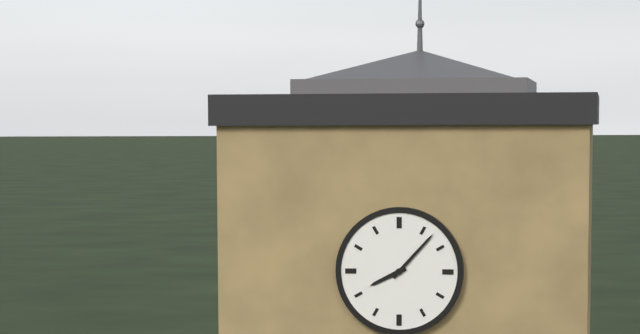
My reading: 8:07
